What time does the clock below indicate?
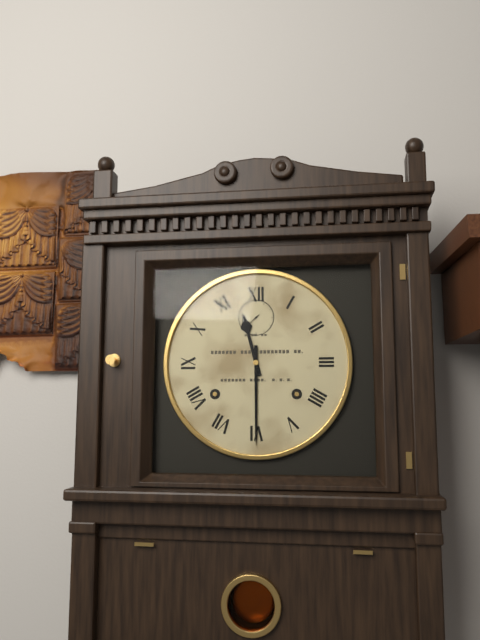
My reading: 11:30
